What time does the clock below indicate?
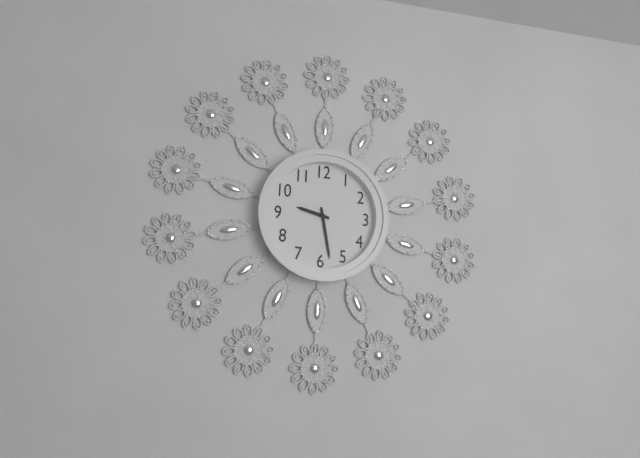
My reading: 9:28
